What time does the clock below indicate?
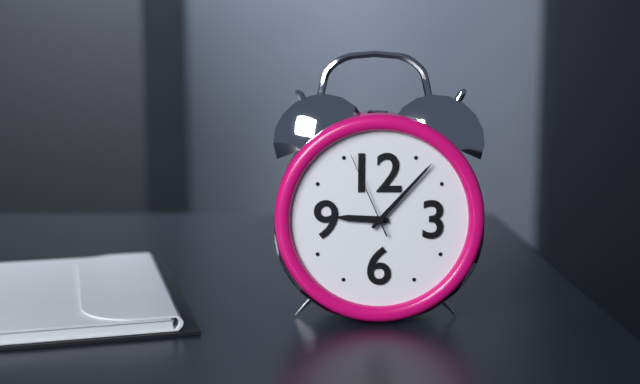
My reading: 9:07:56
